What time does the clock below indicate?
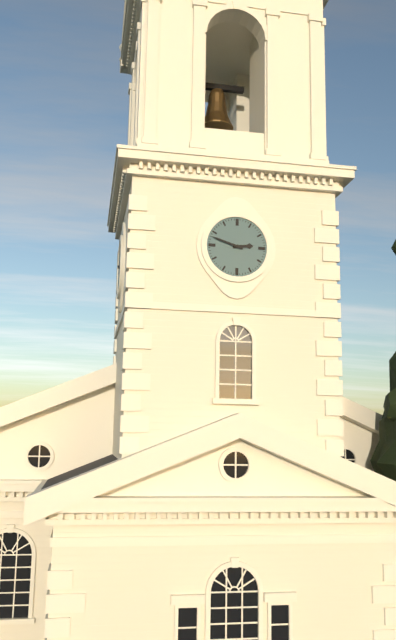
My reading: 2:48
